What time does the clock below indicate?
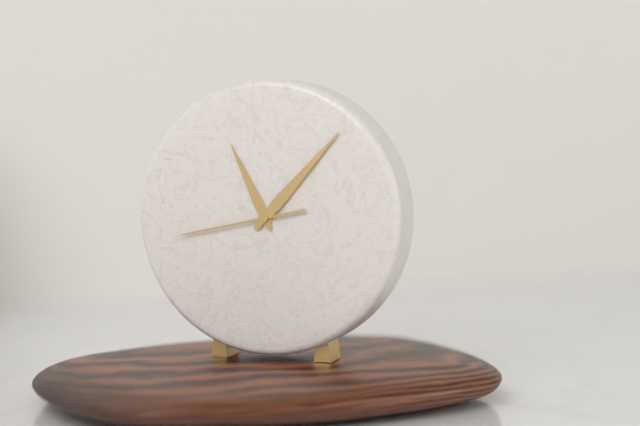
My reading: 11:07:43
